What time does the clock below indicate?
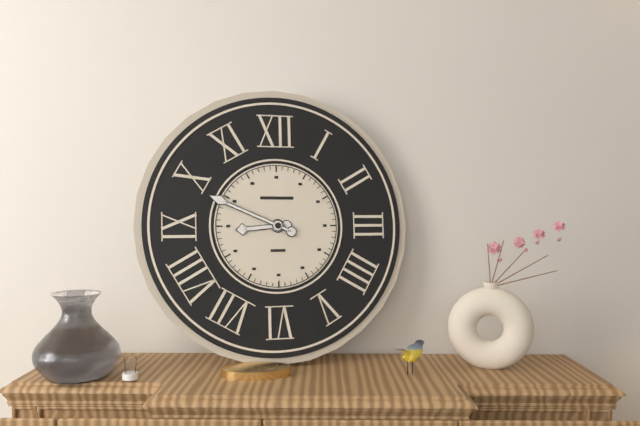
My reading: 8:49
